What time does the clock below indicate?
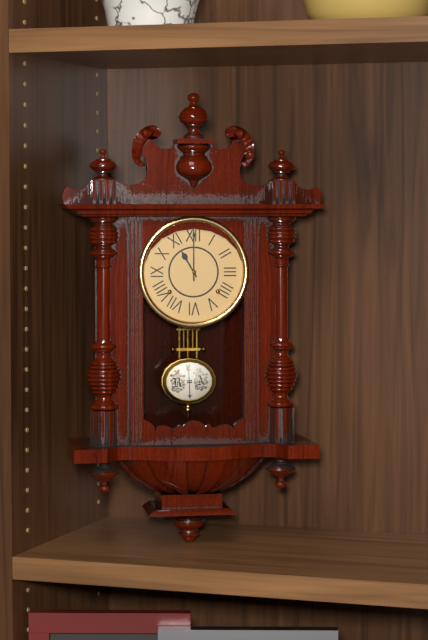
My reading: 11:00
